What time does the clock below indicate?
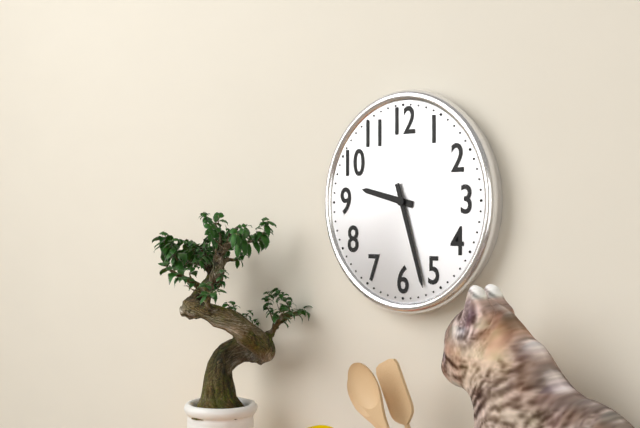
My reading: 9:27
